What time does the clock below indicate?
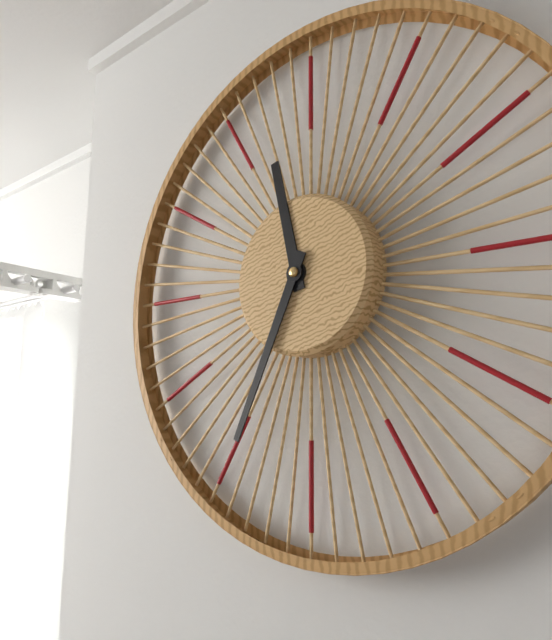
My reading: 11:34
